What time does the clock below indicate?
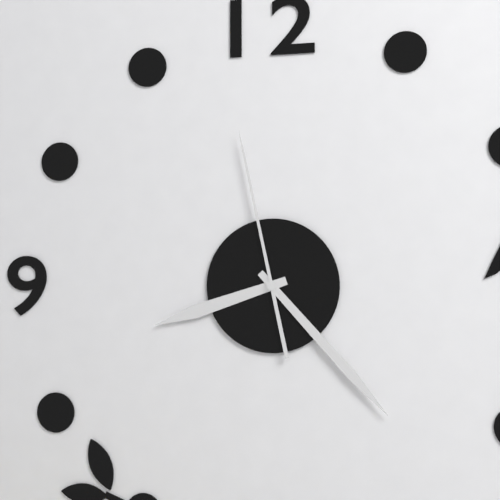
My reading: 8:23:58
